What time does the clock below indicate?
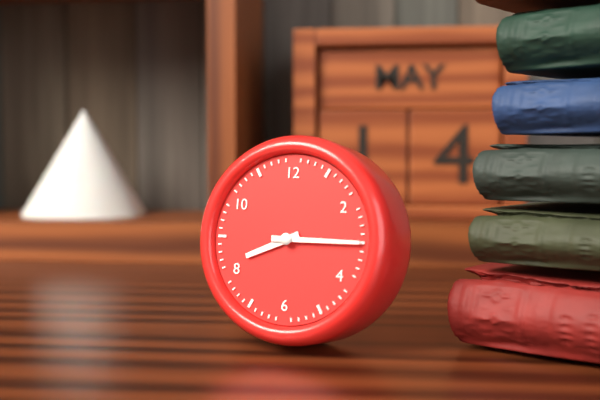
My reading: 8:15
